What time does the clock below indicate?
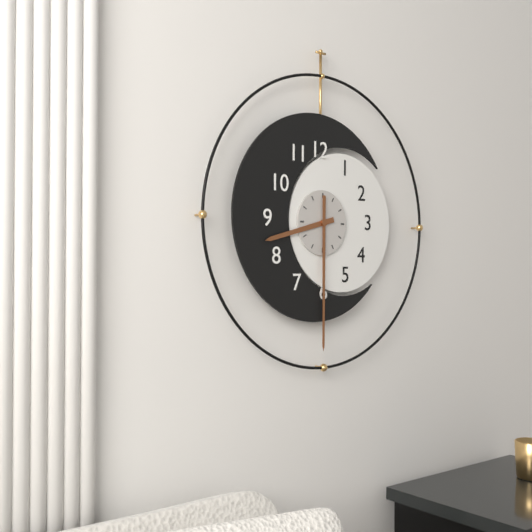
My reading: 8:30
